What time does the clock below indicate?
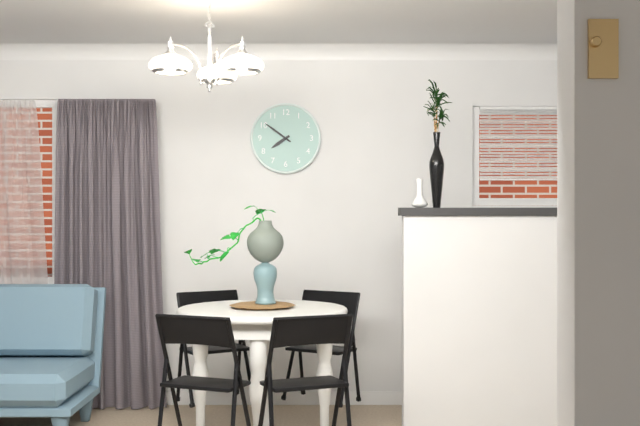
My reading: 7:51
